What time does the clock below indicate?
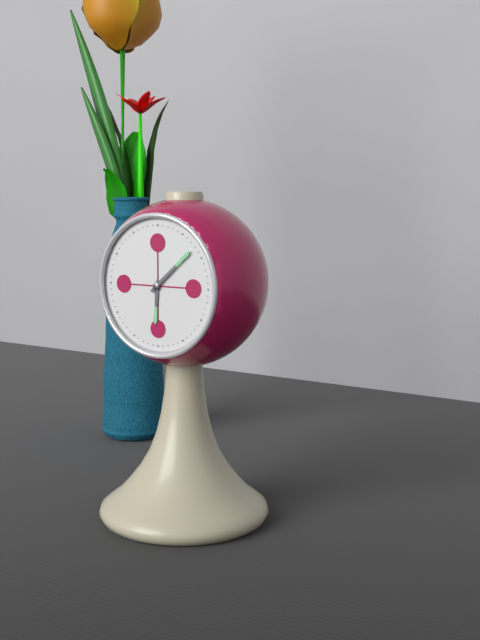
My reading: 6:08
